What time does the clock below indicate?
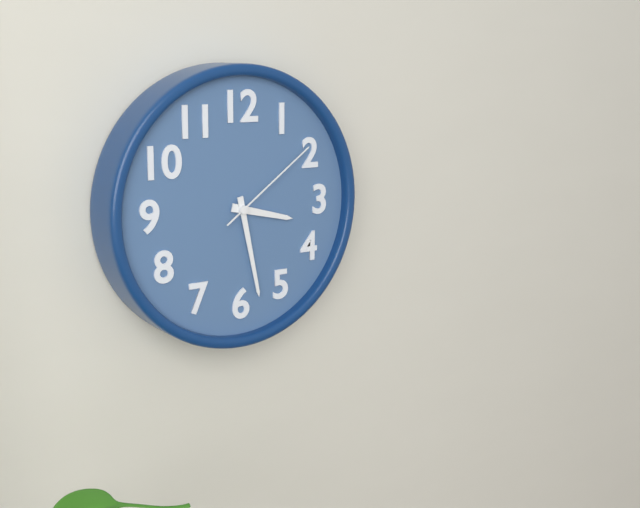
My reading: 3:28:09
